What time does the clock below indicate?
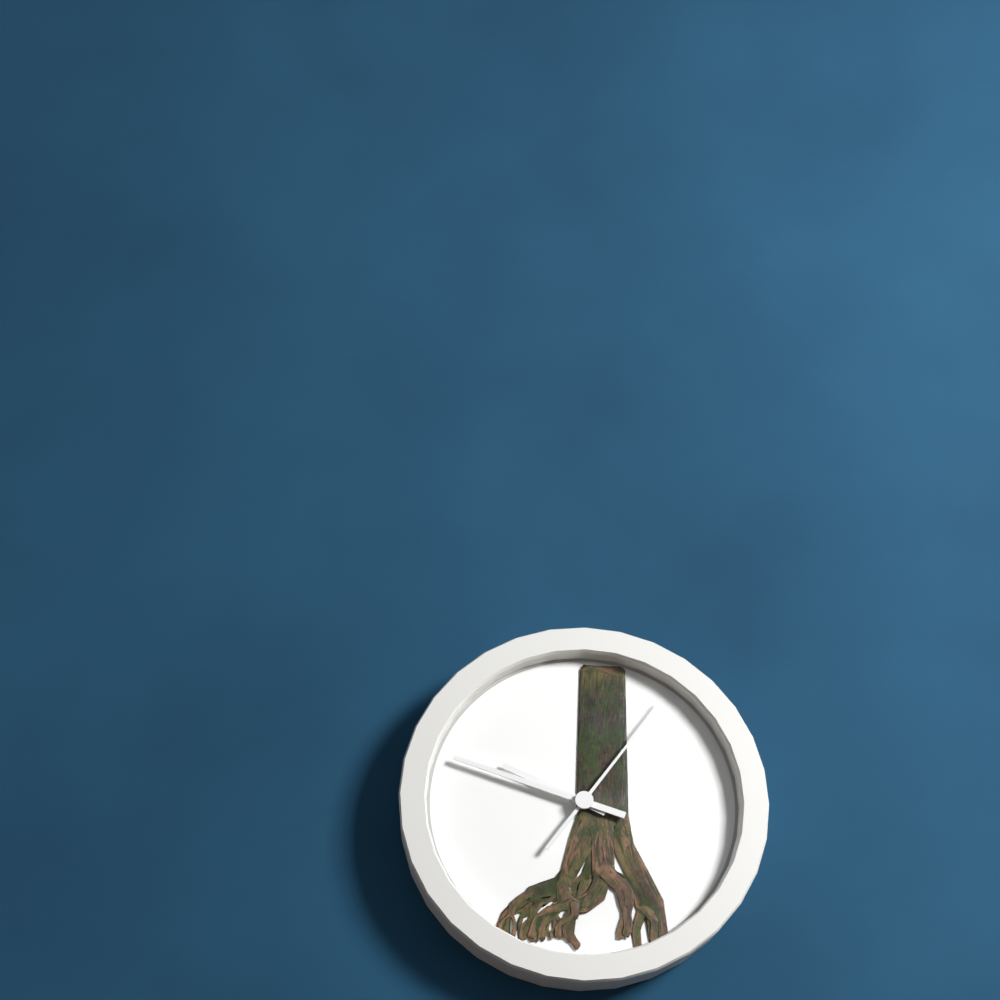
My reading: 9:48:06
